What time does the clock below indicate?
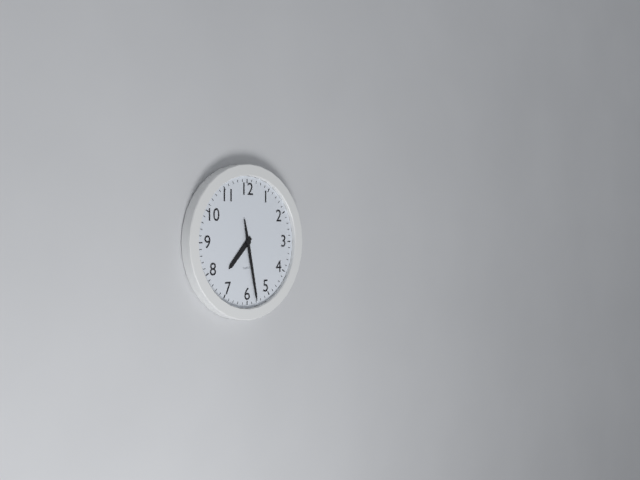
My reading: 7:28
